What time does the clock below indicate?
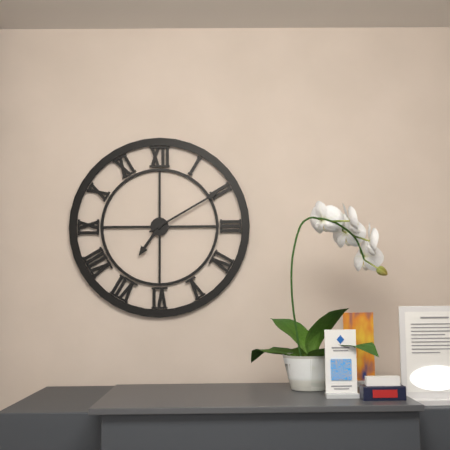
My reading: 7:10
